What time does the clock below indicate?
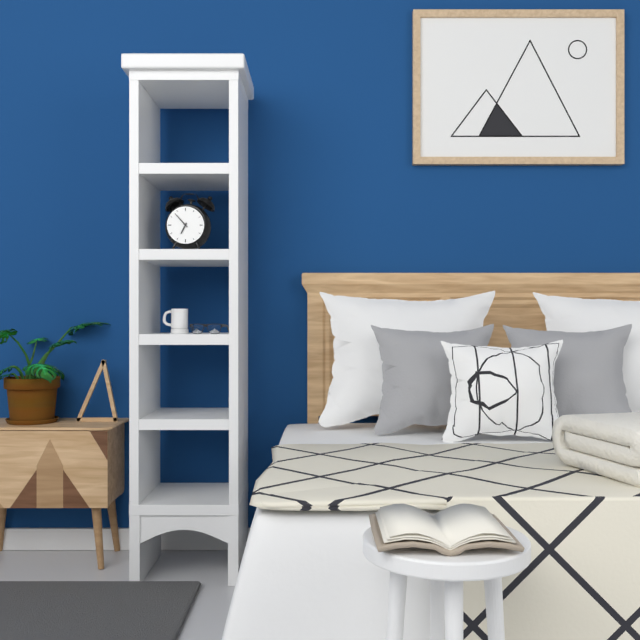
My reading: 6:53
